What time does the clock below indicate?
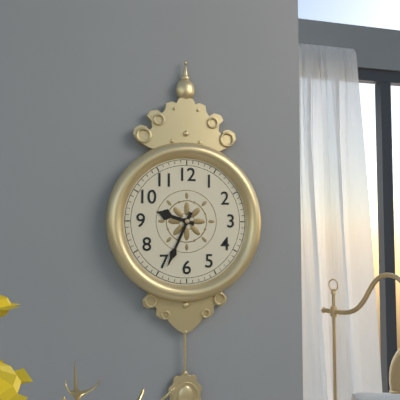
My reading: 9:34
